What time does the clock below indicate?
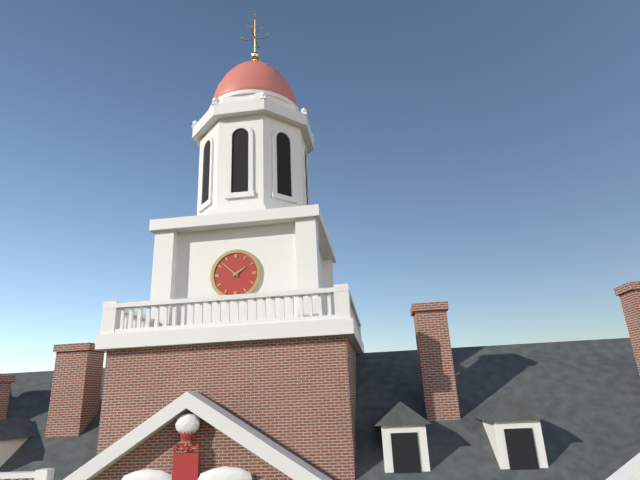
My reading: 1:52
